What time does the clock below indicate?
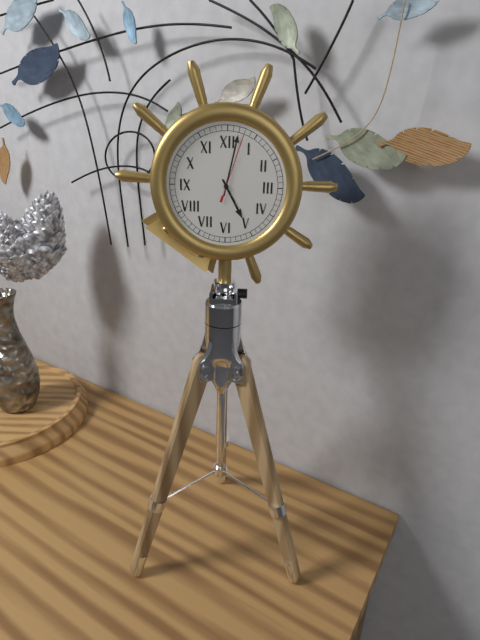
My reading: 5:02:03
